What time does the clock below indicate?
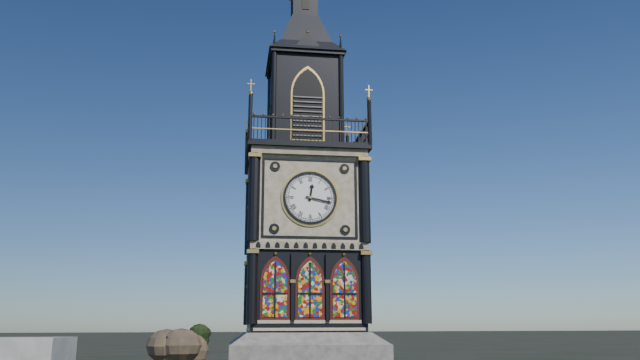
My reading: 12:17
